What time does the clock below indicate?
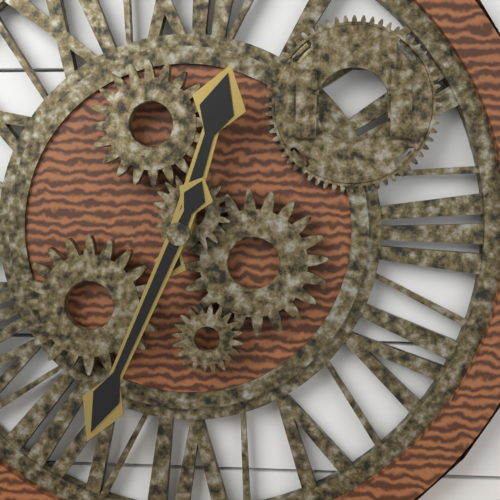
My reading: 12:34
